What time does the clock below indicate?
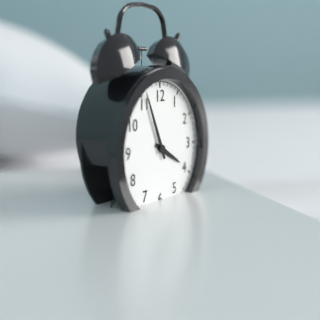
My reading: 3:56
